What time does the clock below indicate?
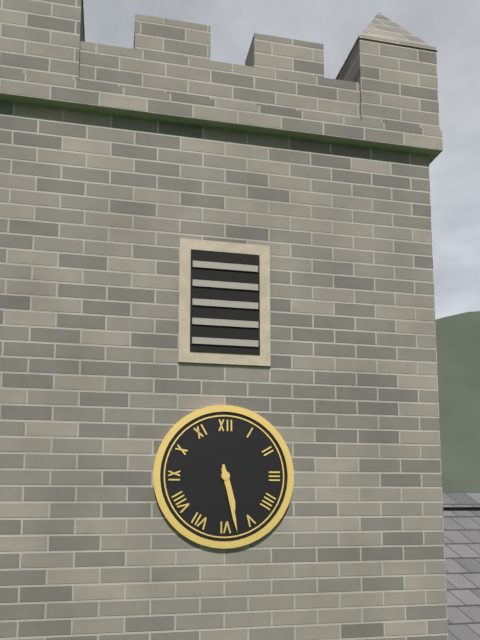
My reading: 5:28
